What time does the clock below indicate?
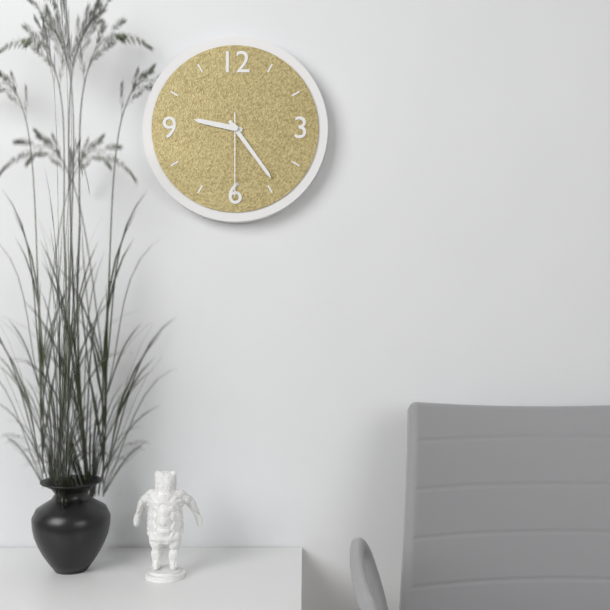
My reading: 9:24:30
